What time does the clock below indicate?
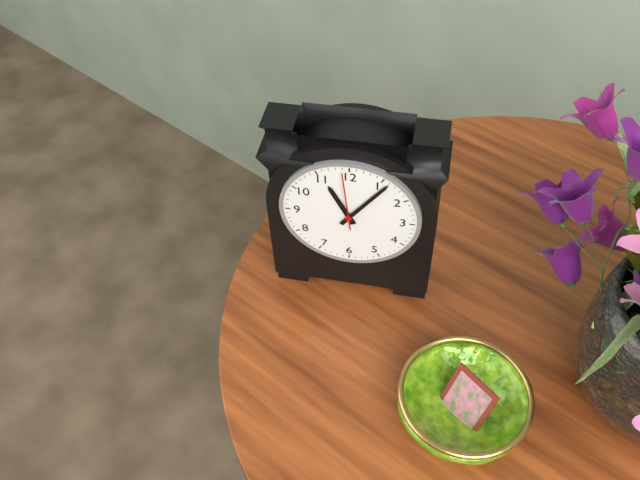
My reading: 11:06:59
